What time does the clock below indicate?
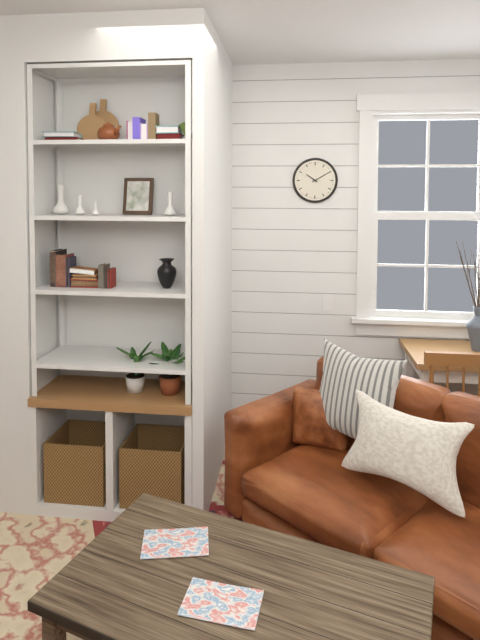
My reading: 10:10
